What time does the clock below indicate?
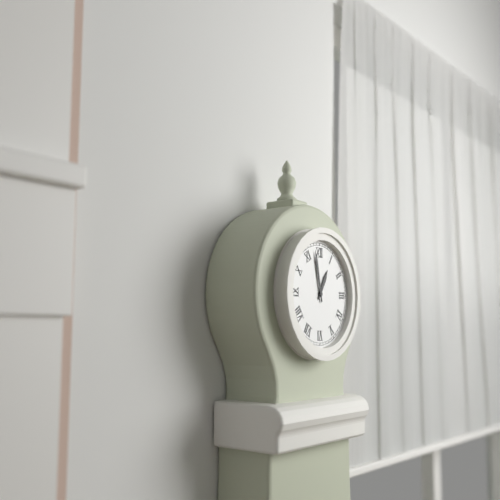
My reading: 12:58
